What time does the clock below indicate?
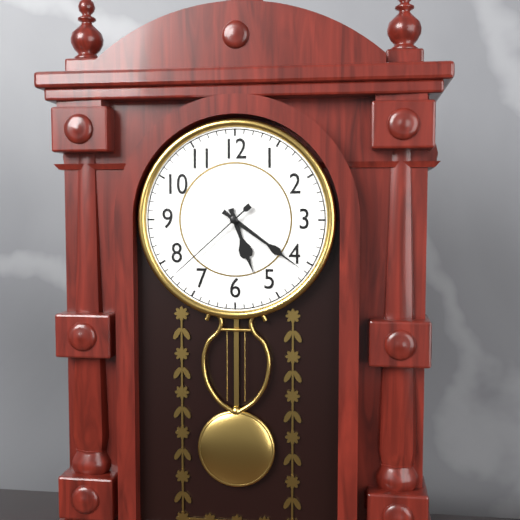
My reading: 5:21:38
